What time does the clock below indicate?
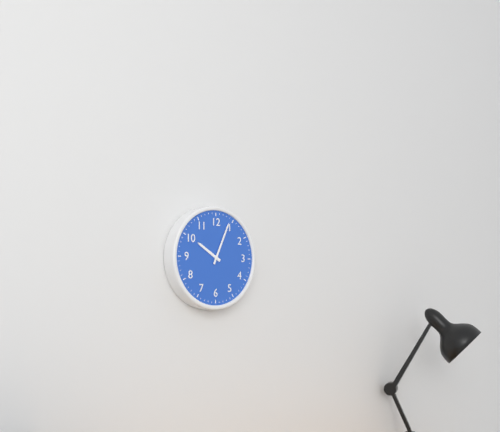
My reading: 10:04
